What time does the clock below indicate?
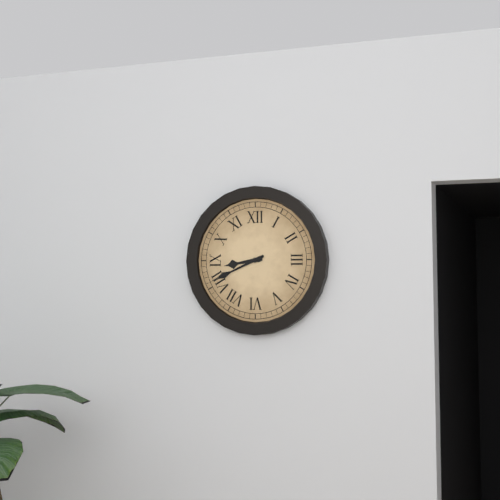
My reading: 8:41
